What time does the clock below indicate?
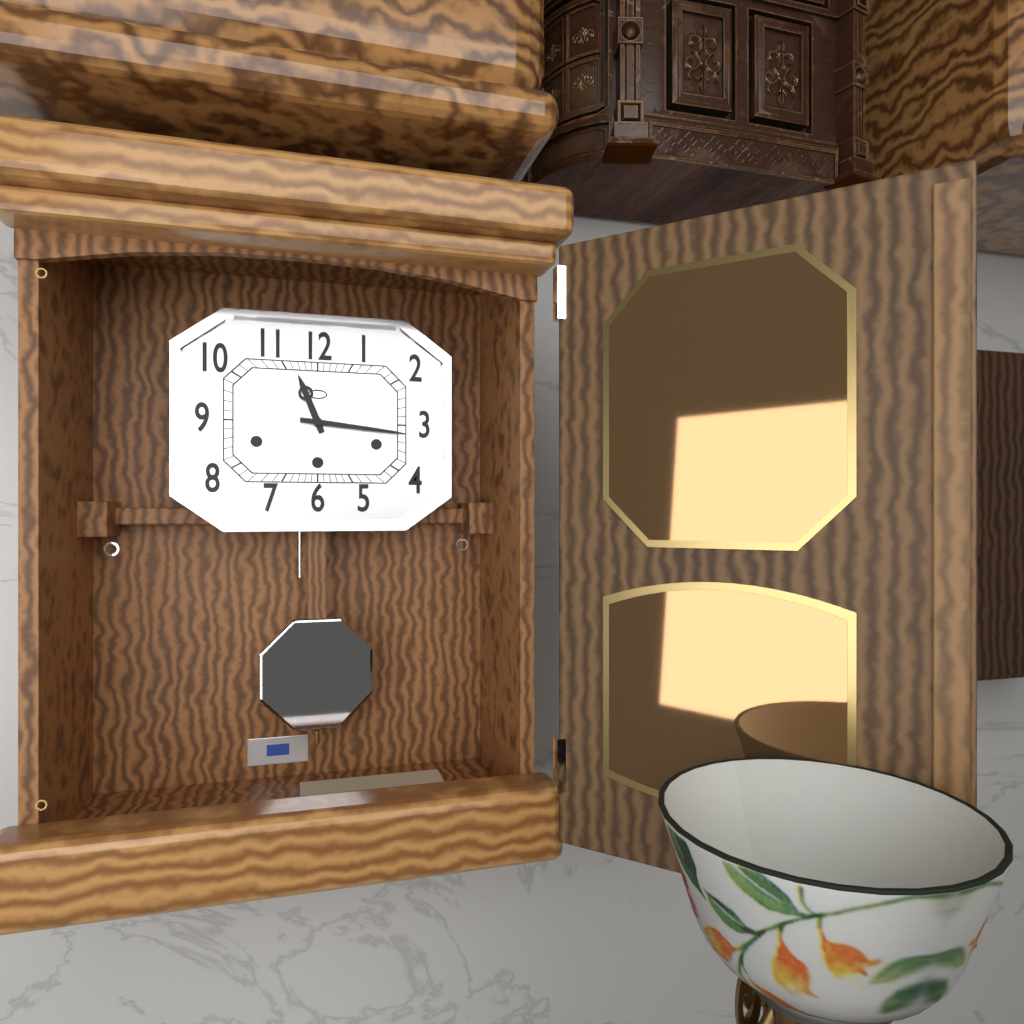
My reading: 11:16
